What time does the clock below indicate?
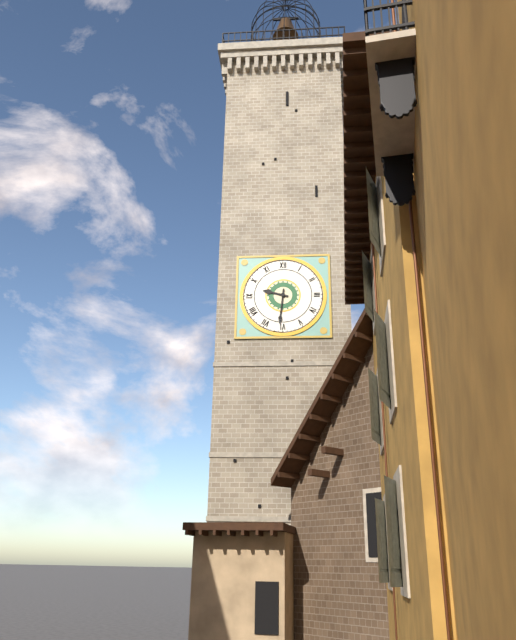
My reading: 9:31
